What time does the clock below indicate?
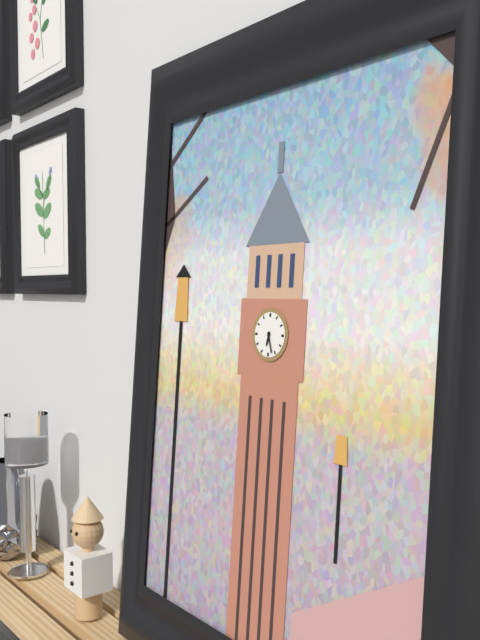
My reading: 6:27
